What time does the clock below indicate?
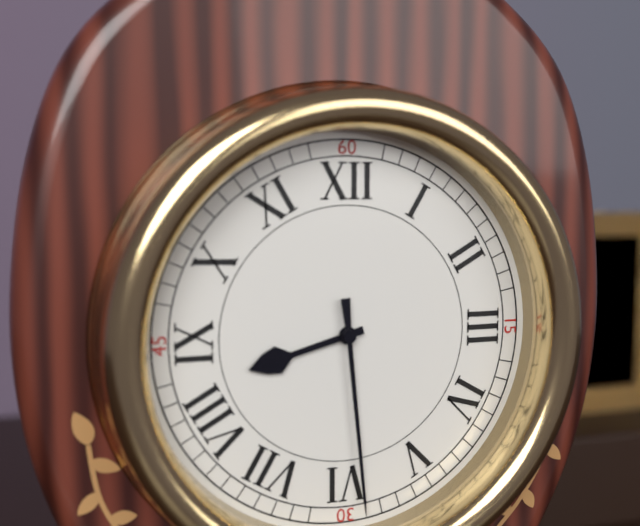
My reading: 8:29
